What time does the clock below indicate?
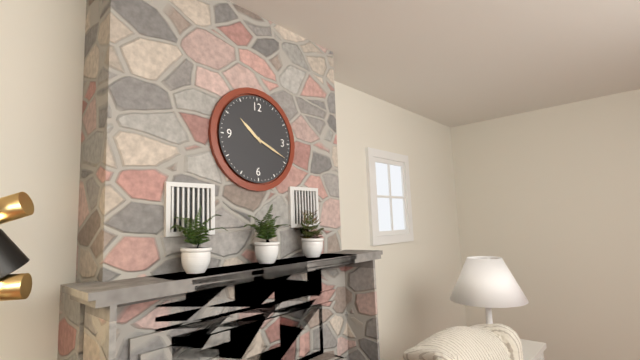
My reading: 10:19
